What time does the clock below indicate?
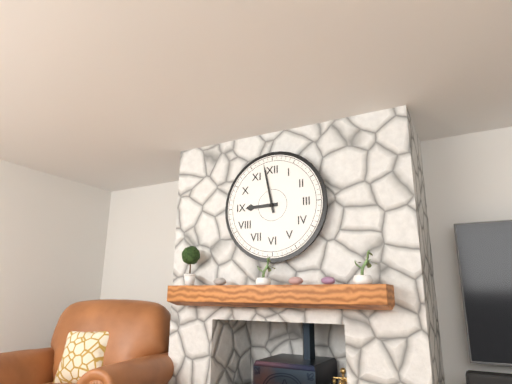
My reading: 8:58
